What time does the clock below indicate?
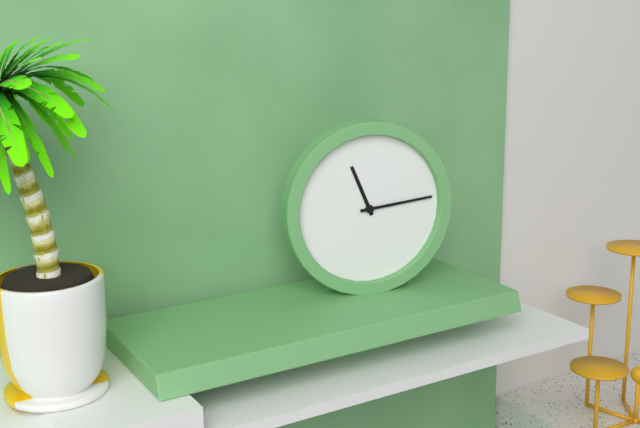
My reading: 11:14
